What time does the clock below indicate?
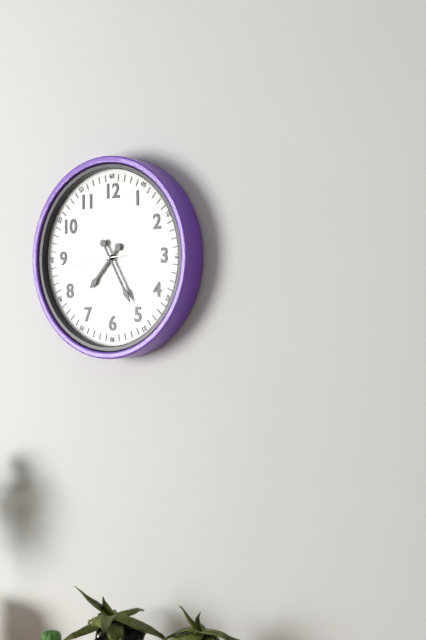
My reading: 7:25:44
